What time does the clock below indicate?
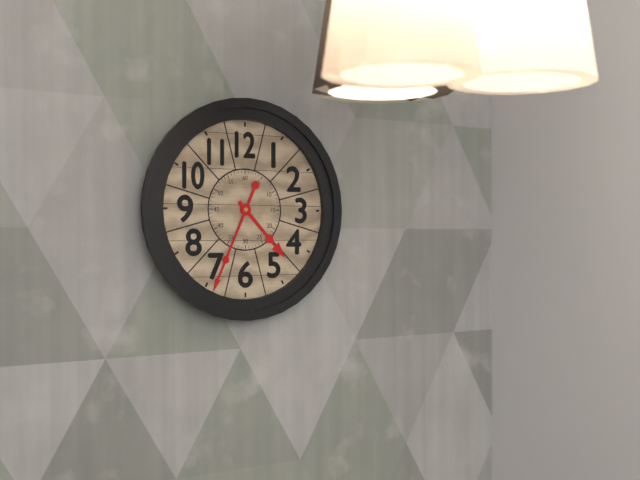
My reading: 4:34
